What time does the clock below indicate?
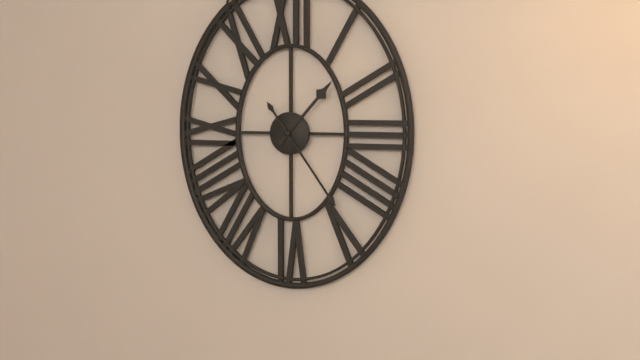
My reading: 1:24
